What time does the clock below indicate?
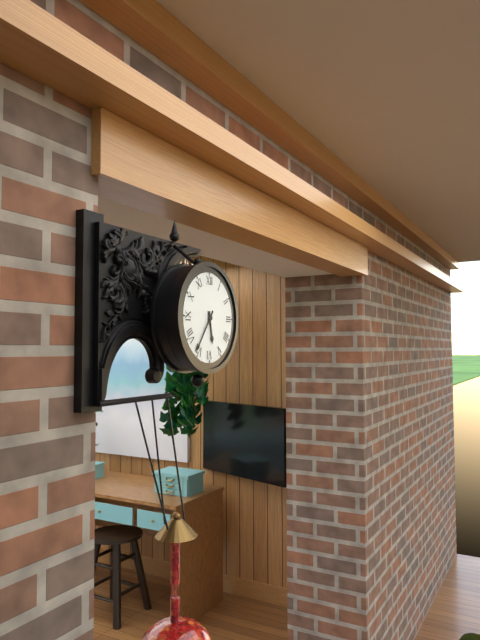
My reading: 5:36
